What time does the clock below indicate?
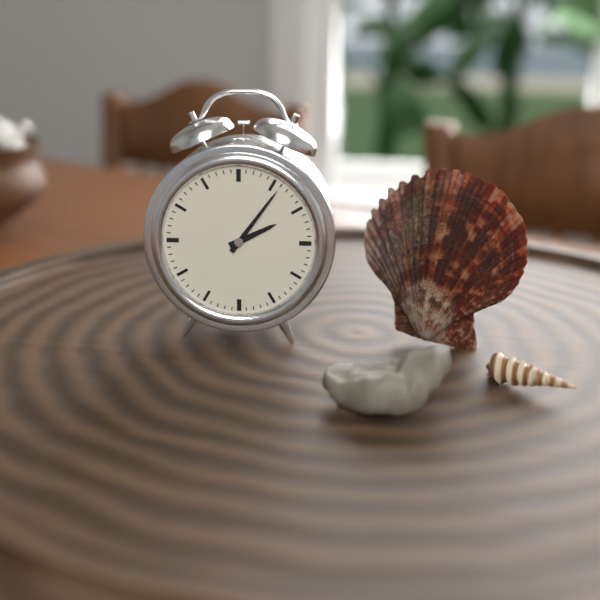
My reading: 2:06
